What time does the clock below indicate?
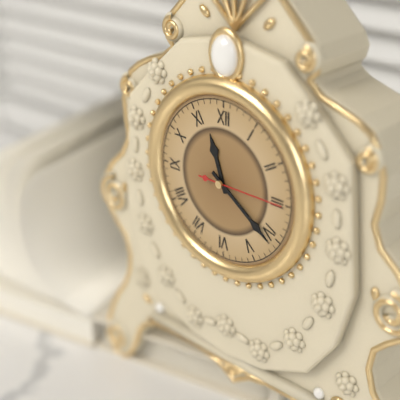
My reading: 11:21:15
